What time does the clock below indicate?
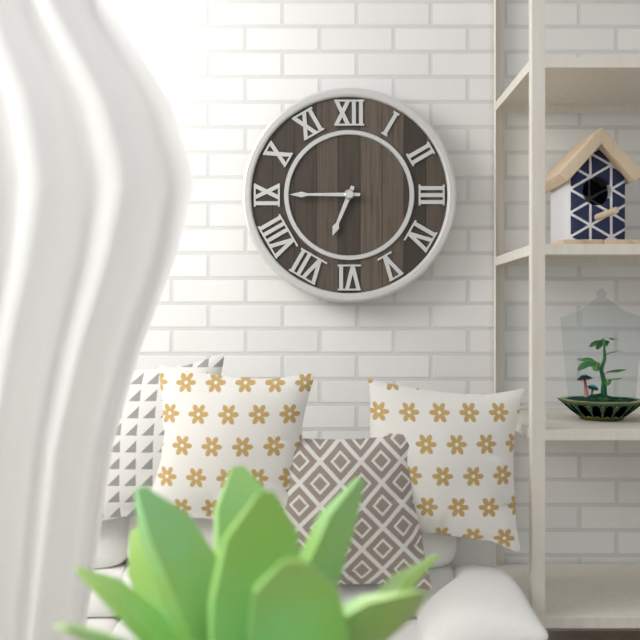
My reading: 6:45
